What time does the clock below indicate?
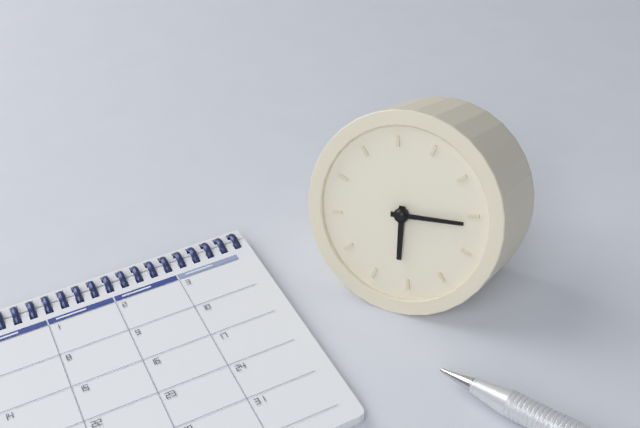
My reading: 6:16
